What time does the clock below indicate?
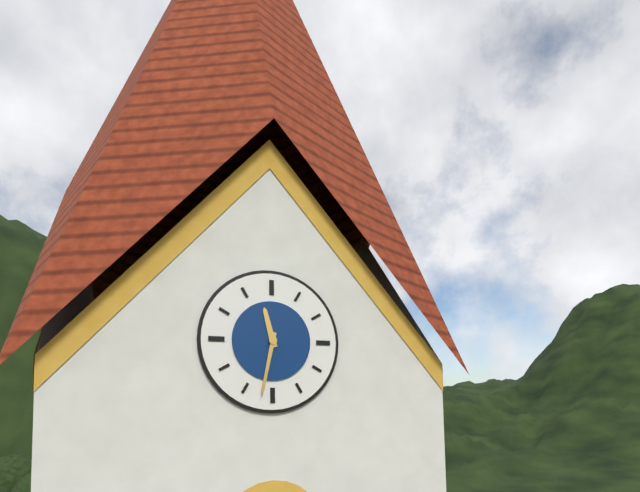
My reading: 11:32
